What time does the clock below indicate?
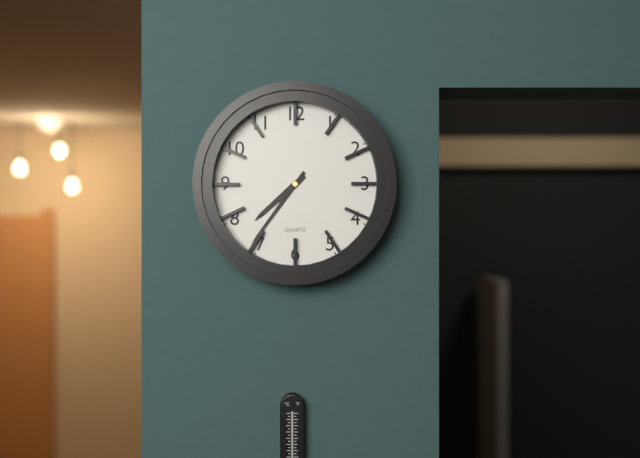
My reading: 7:36
